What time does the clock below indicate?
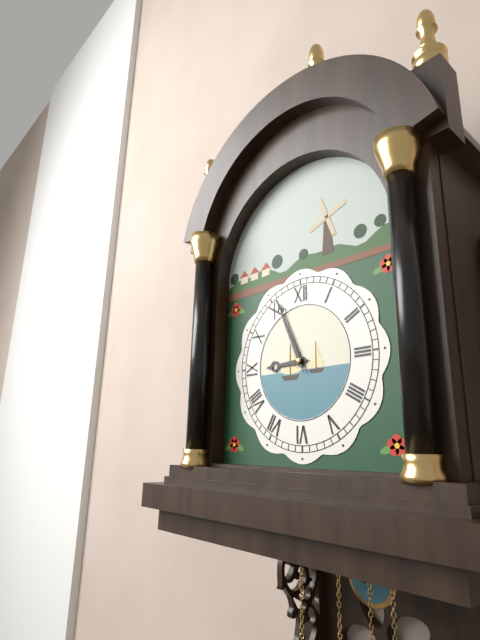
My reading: 8:56
